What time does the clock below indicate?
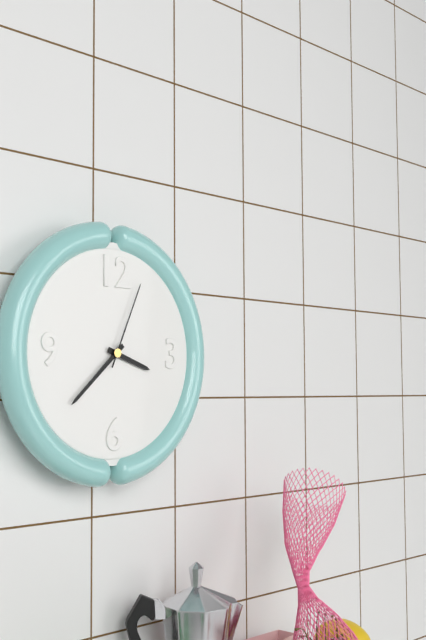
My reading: 3:38:04
